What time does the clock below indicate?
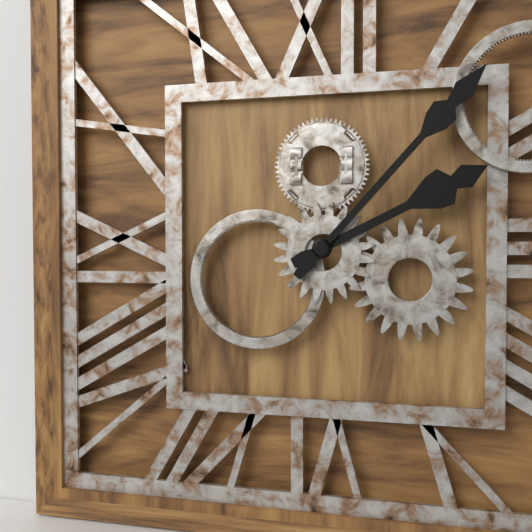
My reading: 2:07
